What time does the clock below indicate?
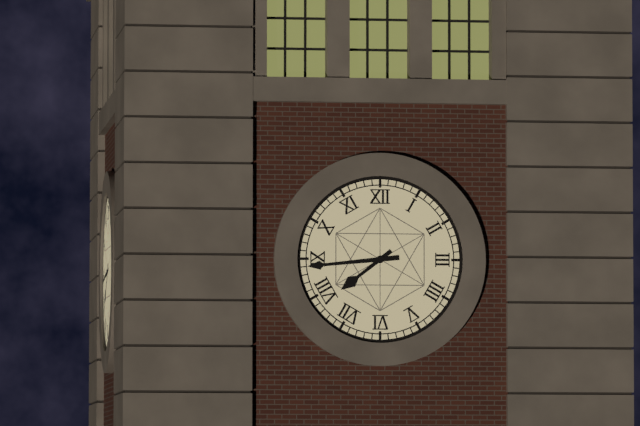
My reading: 7:44
